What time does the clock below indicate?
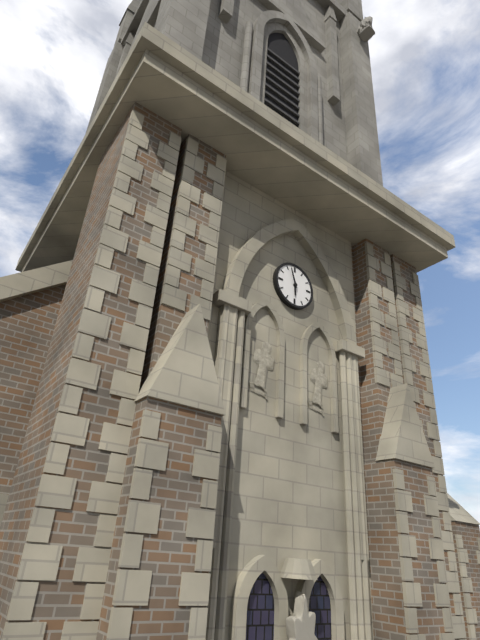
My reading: 5:57
